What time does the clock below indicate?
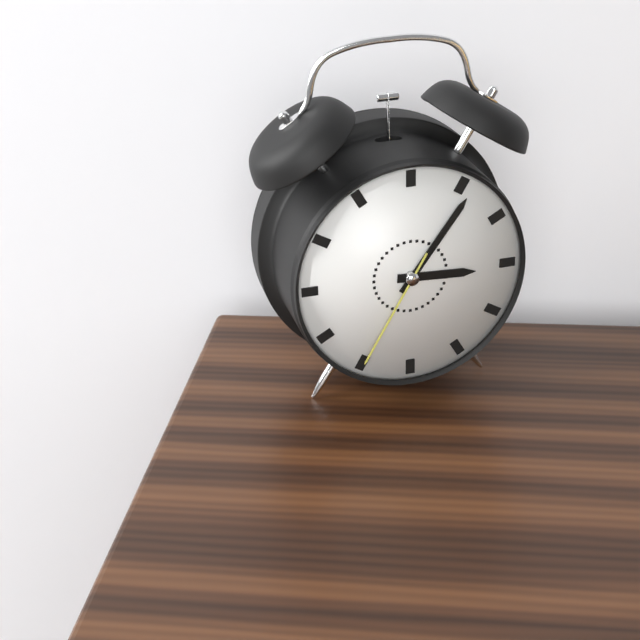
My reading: 3:06:35
